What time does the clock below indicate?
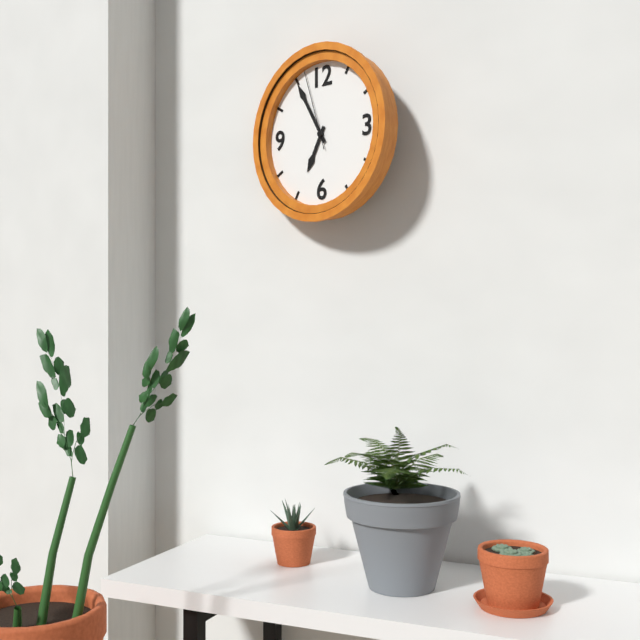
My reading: 6:55:57
